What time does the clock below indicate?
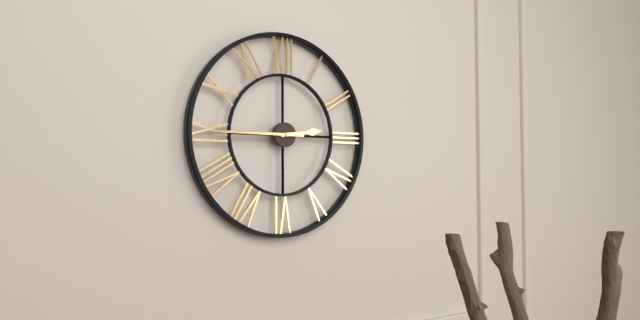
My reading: 2:45
